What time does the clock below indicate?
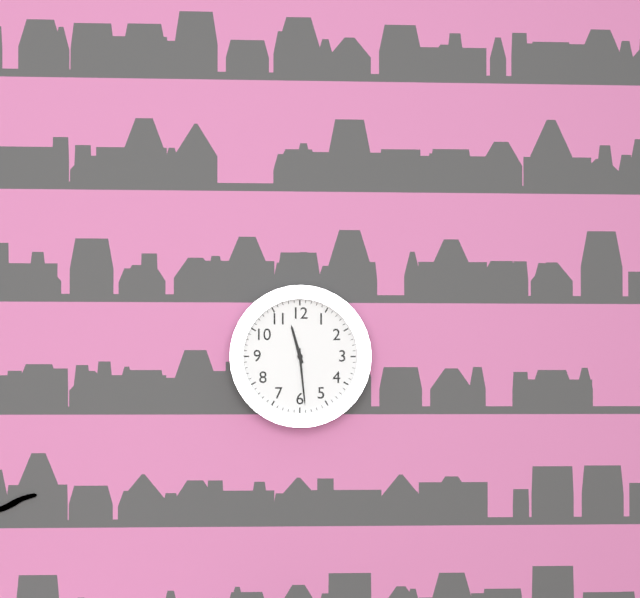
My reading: 11:29
